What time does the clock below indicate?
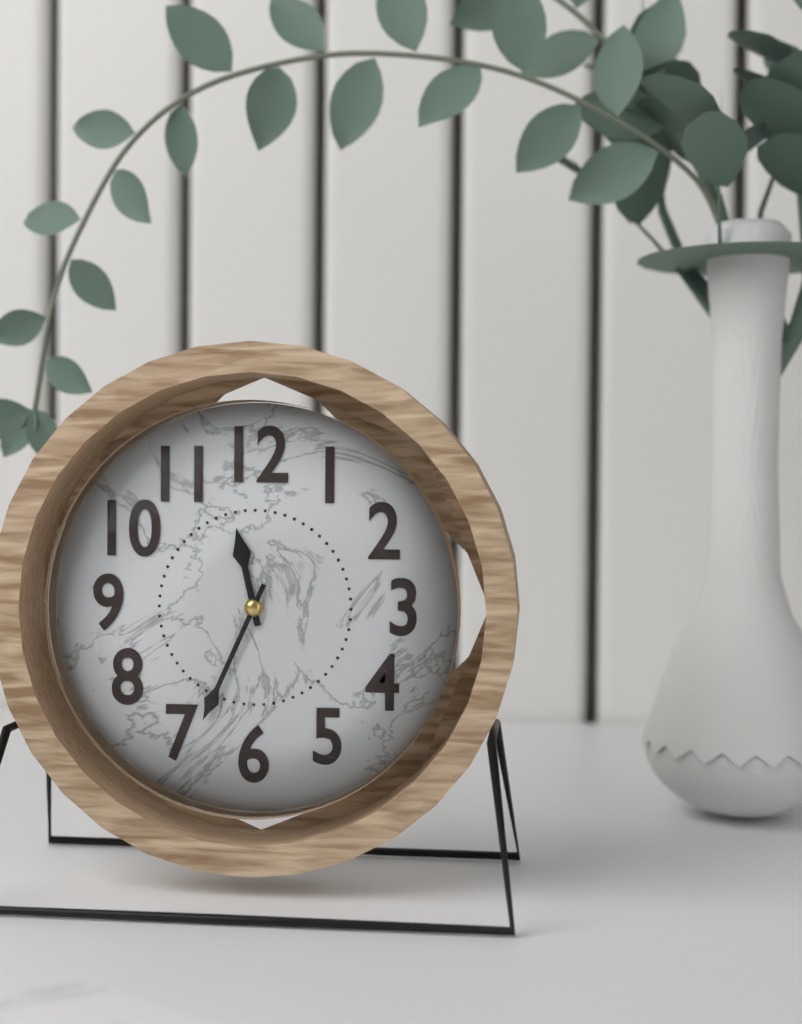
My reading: 11:34
